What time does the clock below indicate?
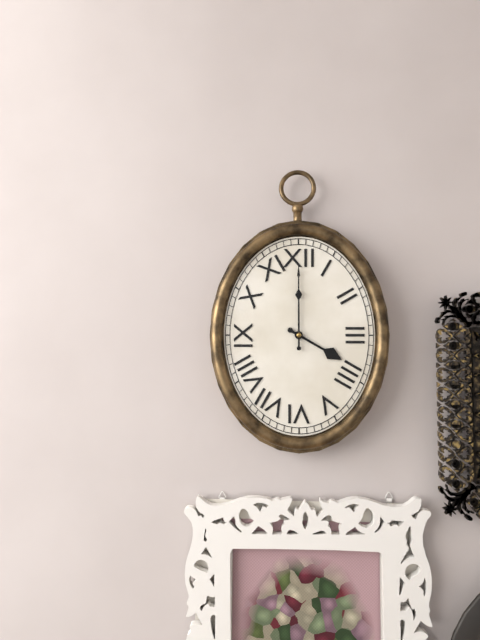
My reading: 4:00
